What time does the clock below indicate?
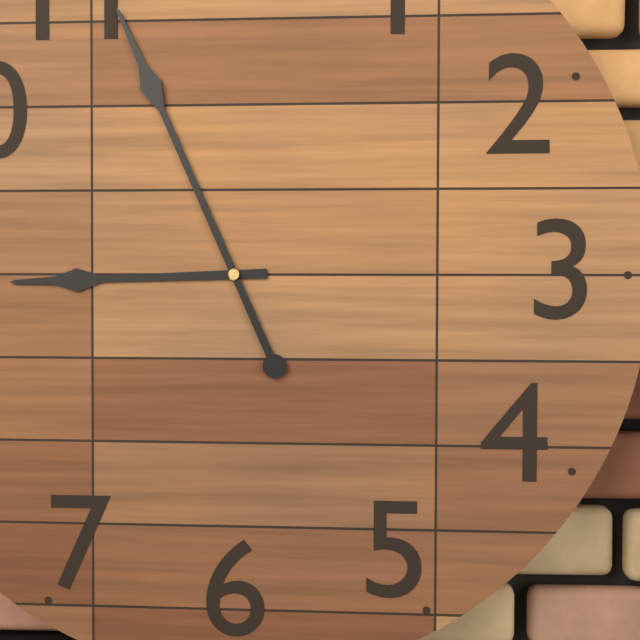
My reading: 8:56
